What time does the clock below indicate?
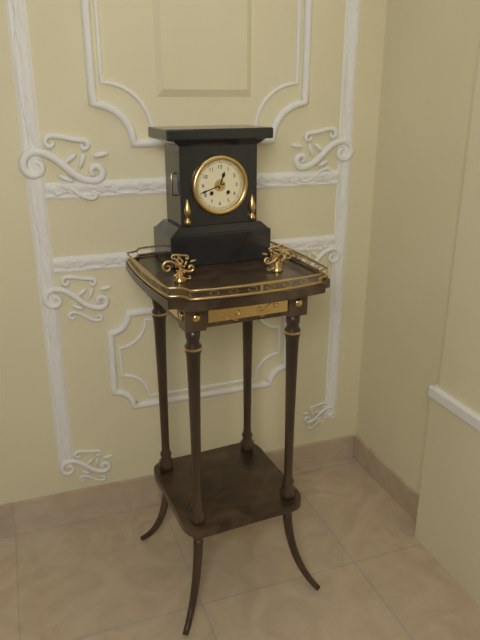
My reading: 12:42
